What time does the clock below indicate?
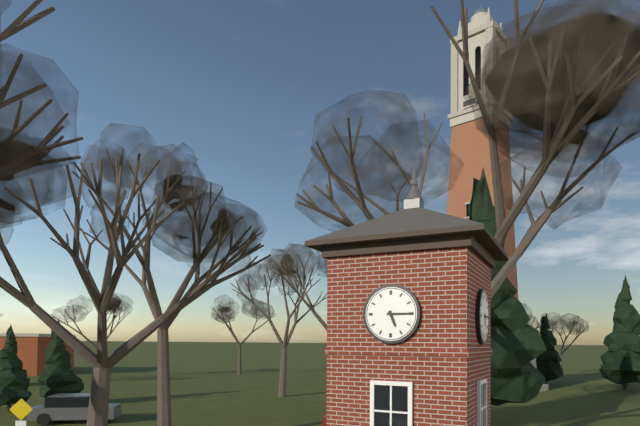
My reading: 5:15
